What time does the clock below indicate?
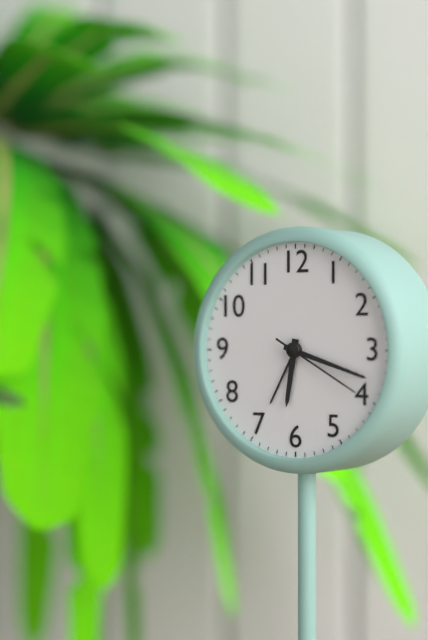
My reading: 6:18:20
